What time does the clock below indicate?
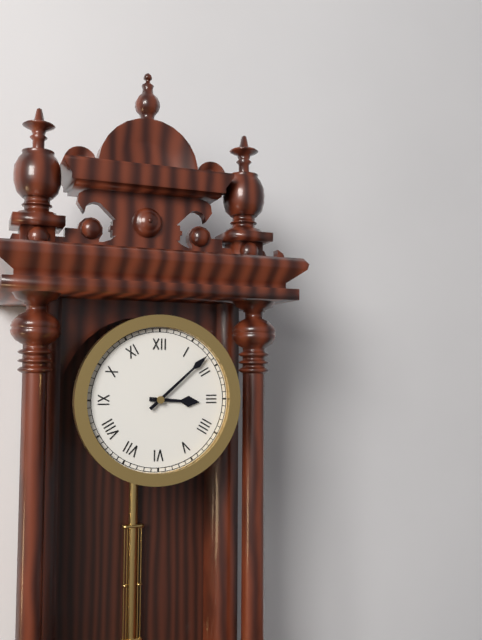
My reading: 3:08
